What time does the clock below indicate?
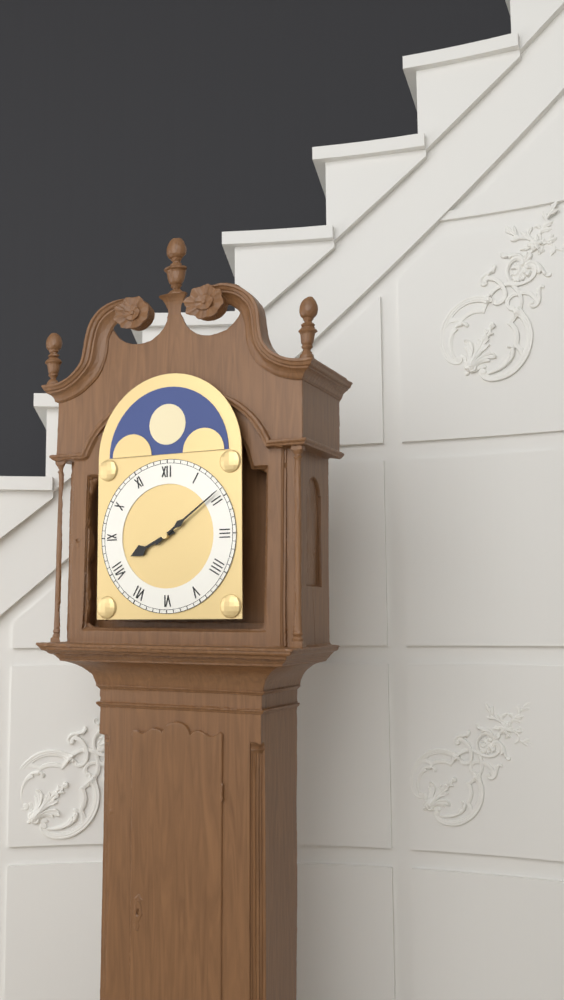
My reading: 8:09
